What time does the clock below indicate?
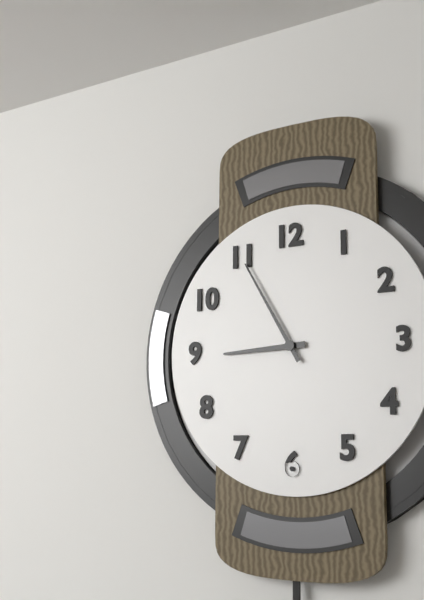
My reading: 8:55
